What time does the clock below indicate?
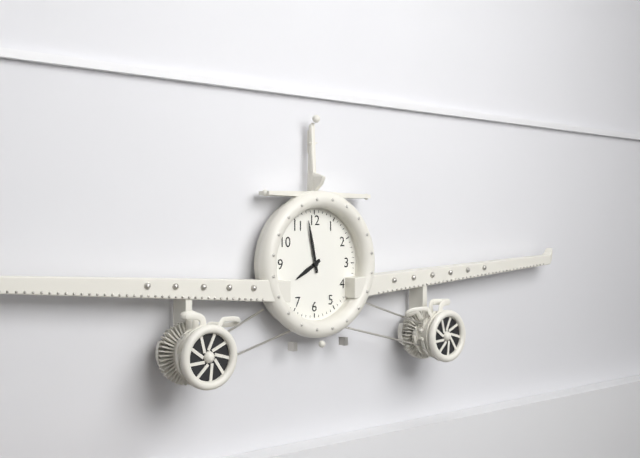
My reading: 7:58
